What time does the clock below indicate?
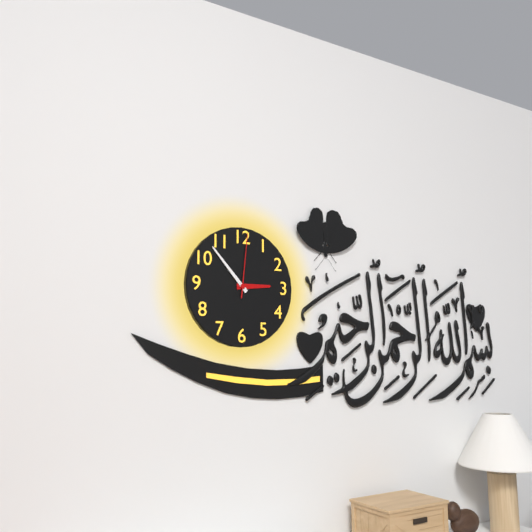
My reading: 2:53:01
